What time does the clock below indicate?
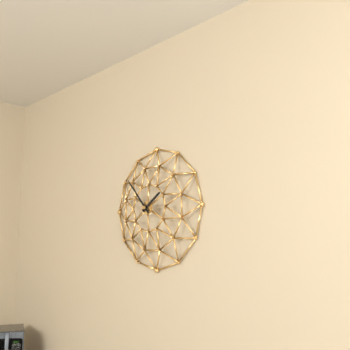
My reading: 1:53
